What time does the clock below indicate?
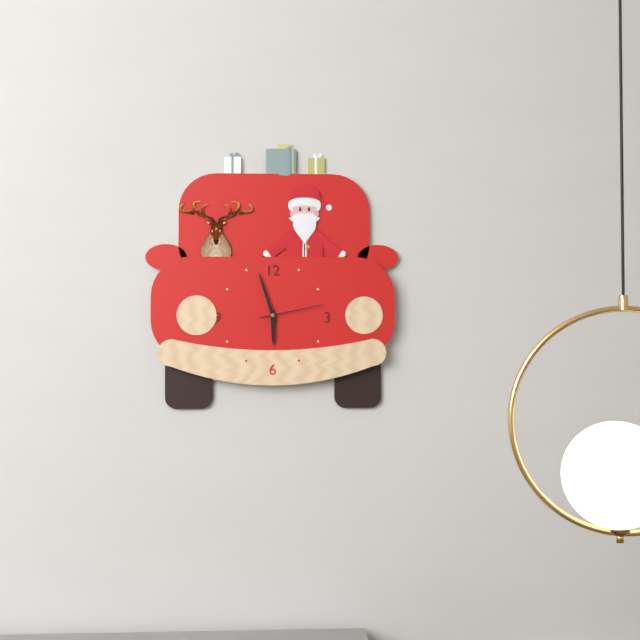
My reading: 5:57:13
